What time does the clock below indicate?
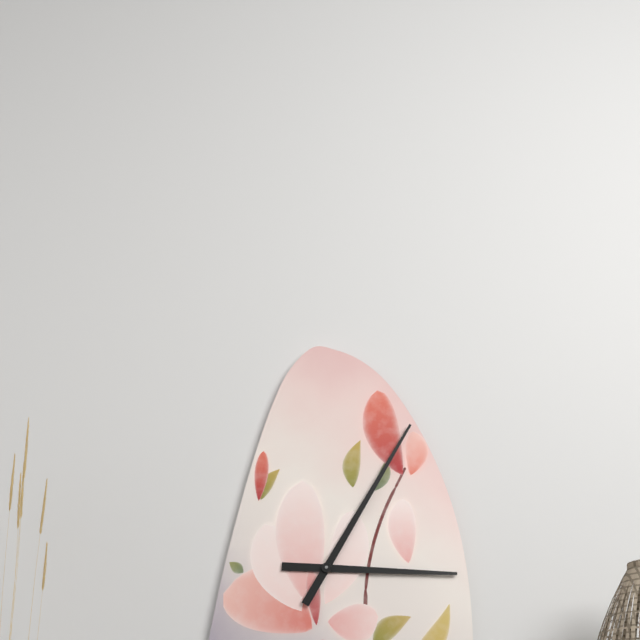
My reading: 3:05
